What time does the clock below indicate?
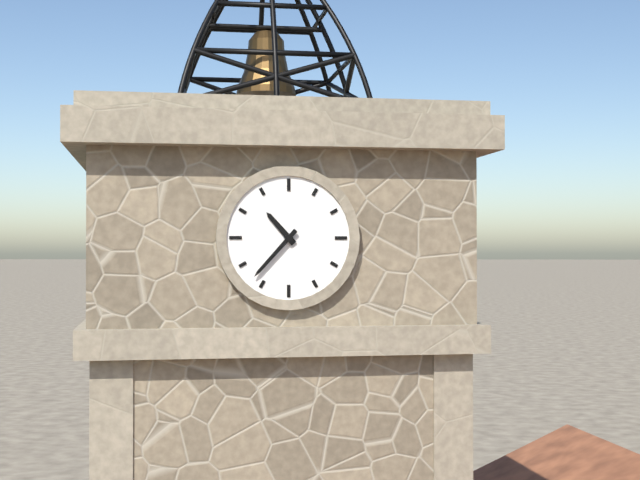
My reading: 10:37
